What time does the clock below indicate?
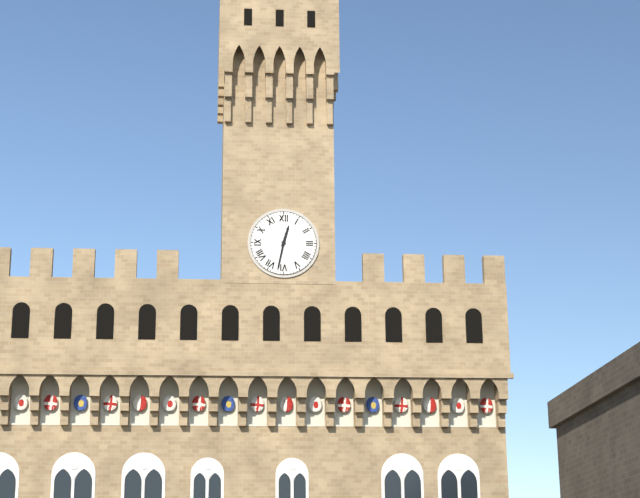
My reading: 12:32
